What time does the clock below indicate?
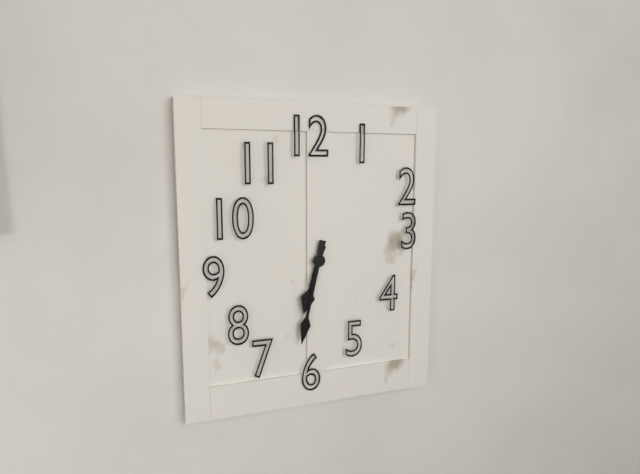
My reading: 6:32
